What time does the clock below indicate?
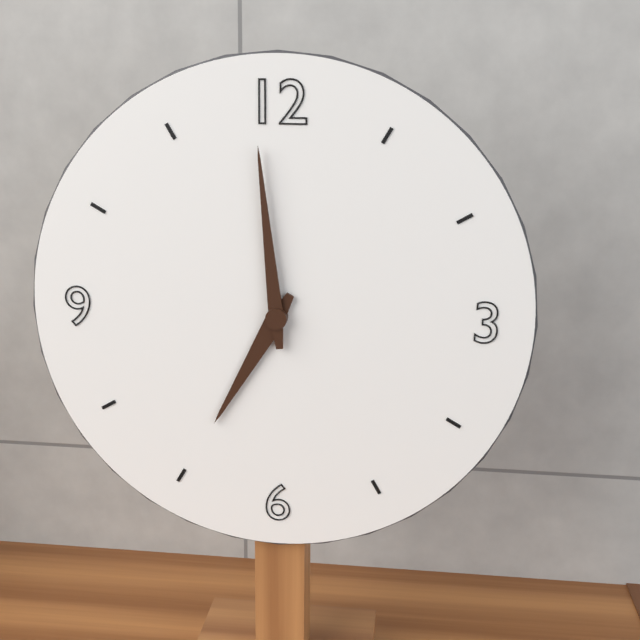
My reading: 6:59
